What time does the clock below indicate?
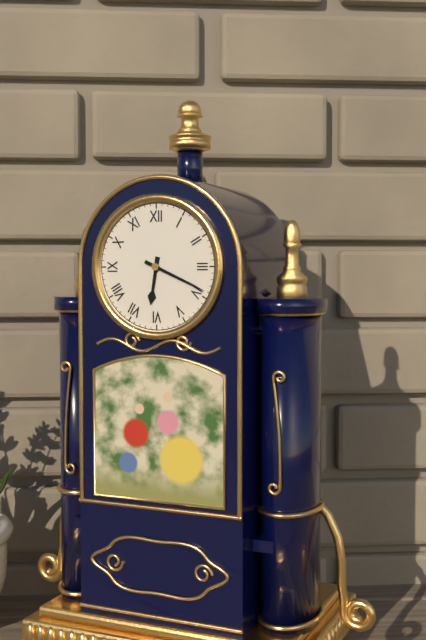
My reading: 6:19
